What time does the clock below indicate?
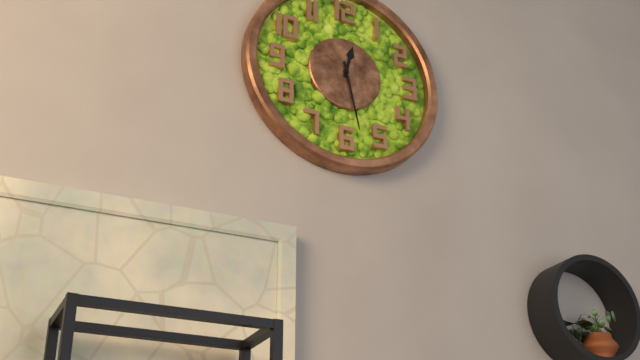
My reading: 12:28
